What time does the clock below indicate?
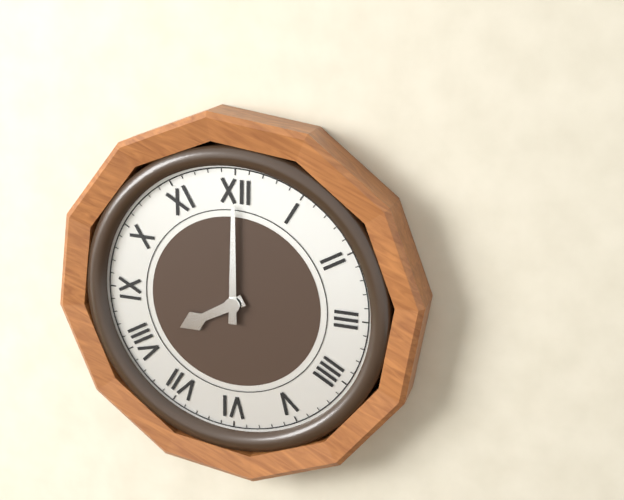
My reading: 8:00
